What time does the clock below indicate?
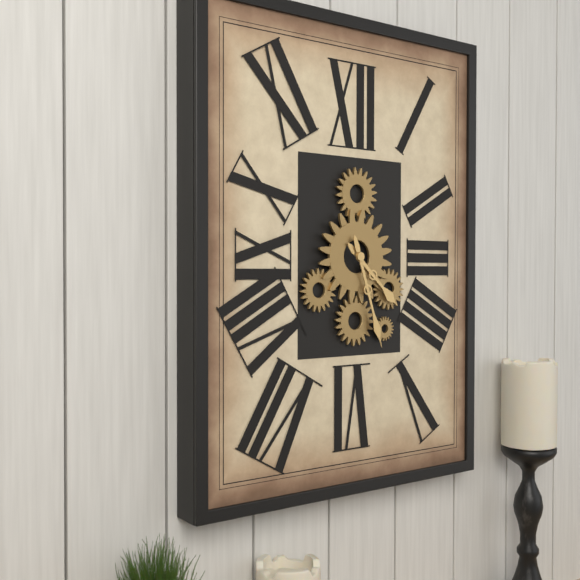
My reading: 4:27
